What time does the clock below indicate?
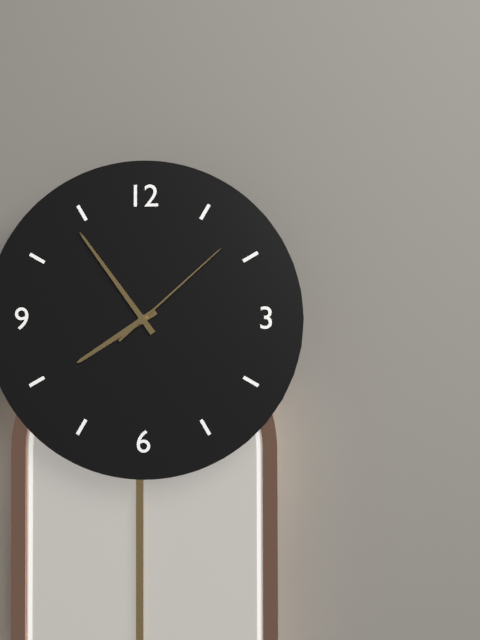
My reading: 7:54:08
